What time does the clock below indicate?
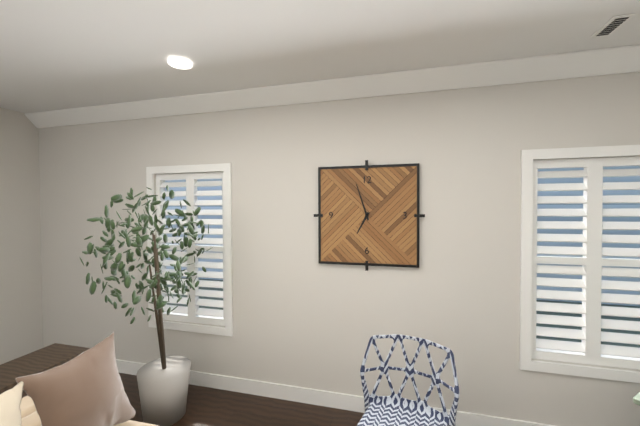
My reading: 6:57
